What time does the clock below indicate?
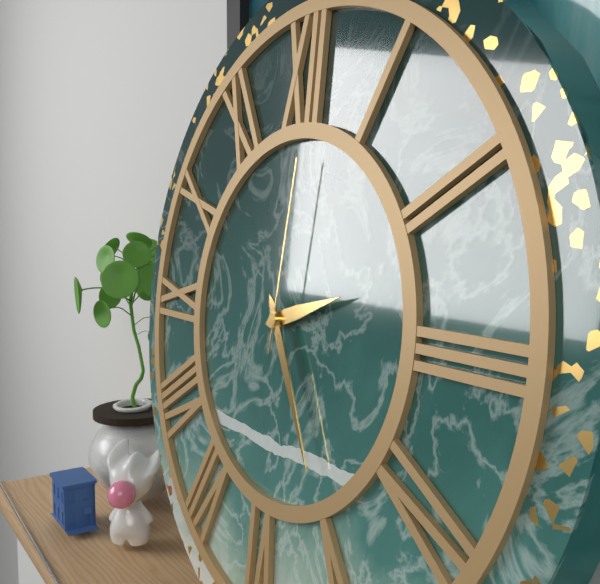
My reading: 2:25:01
